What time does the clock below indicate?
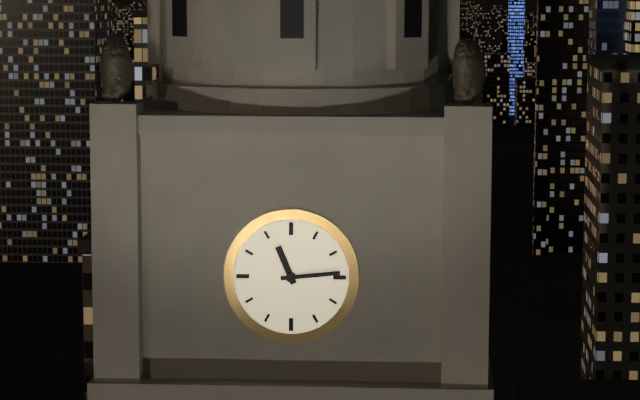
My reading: 11:14
